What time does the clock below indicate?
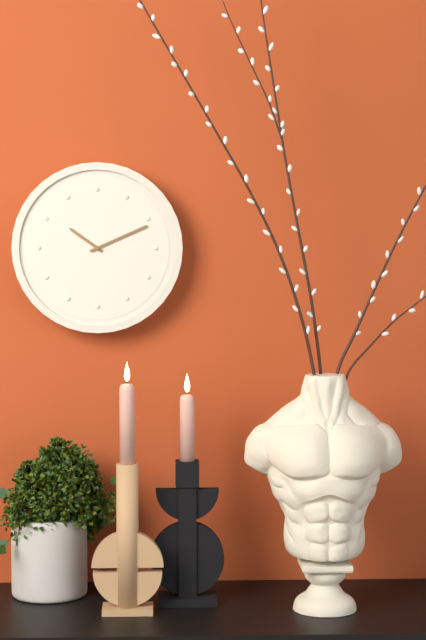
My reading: 10:11
